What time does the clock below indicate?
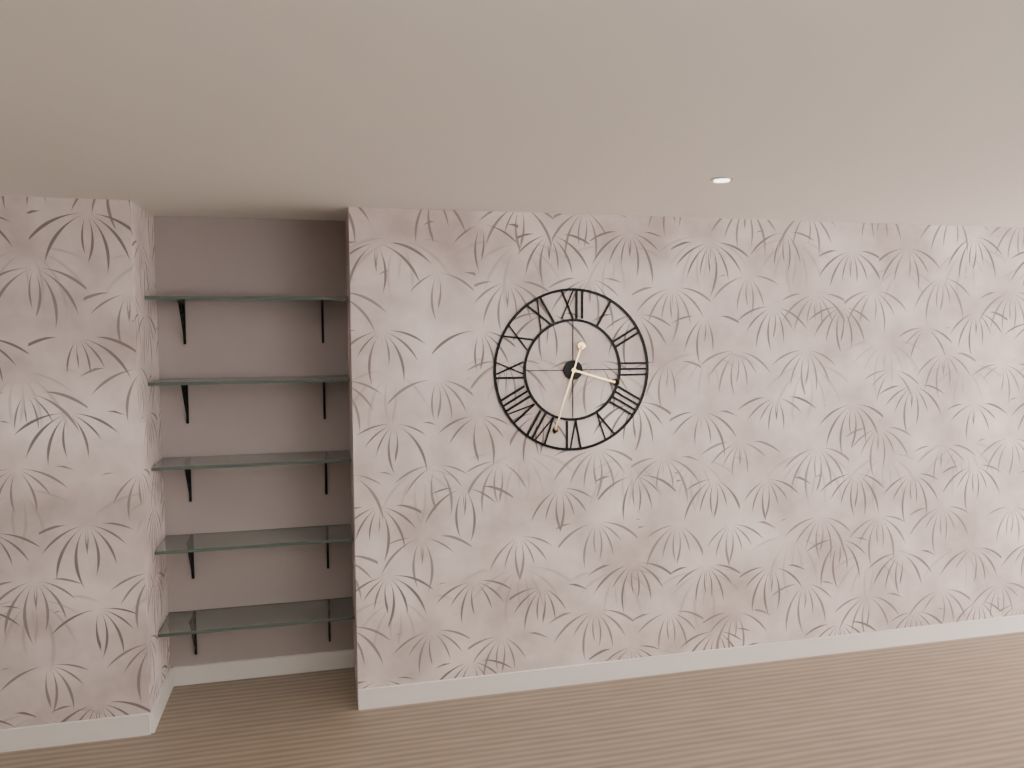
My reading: 3:33
